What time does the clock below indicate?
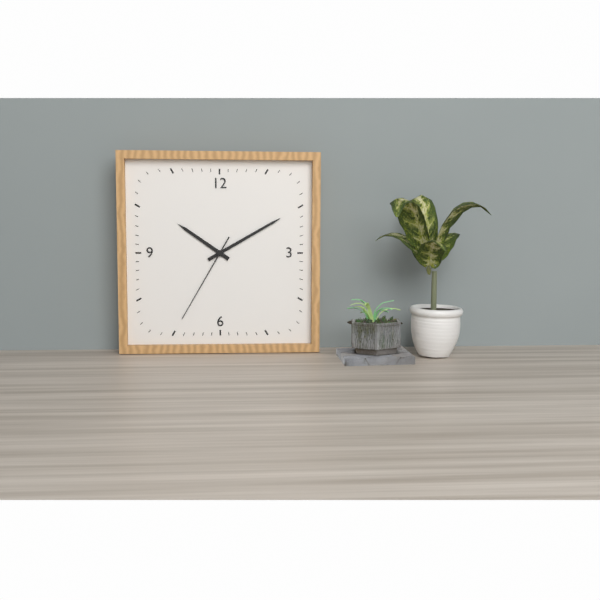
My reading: 10:10:35
